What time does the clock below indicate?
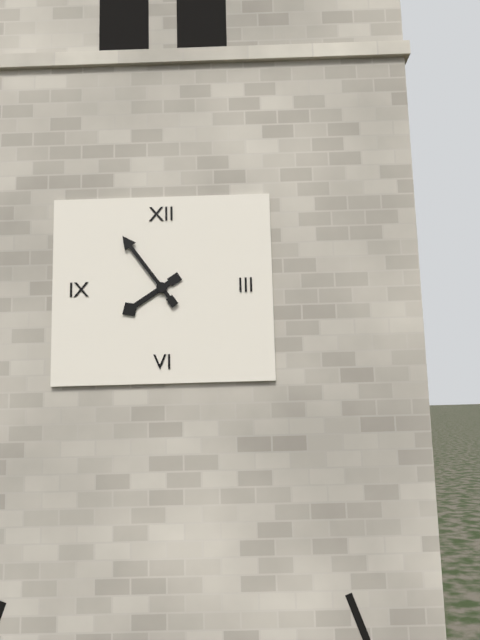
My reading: 7:54
